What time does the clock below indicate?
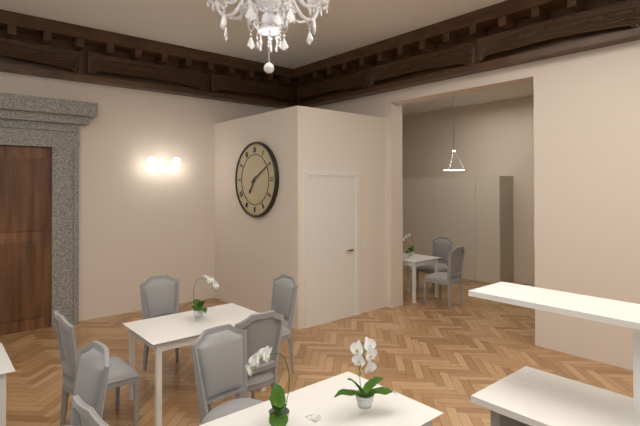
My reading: 7:10
